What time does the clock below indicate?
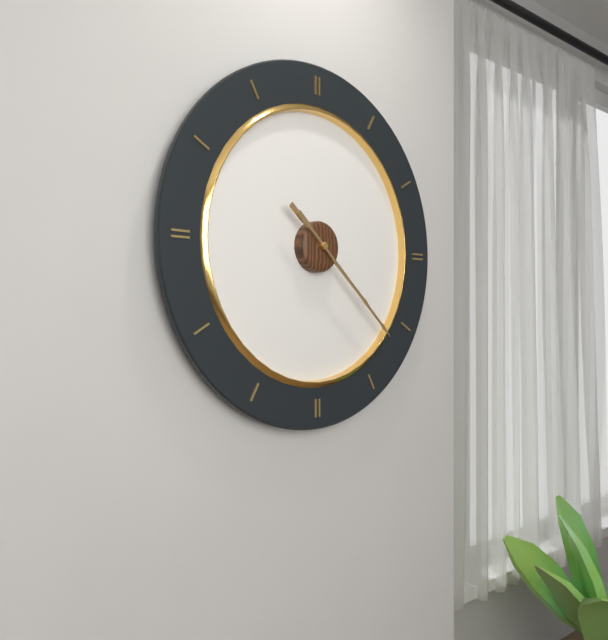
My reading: 4:22
